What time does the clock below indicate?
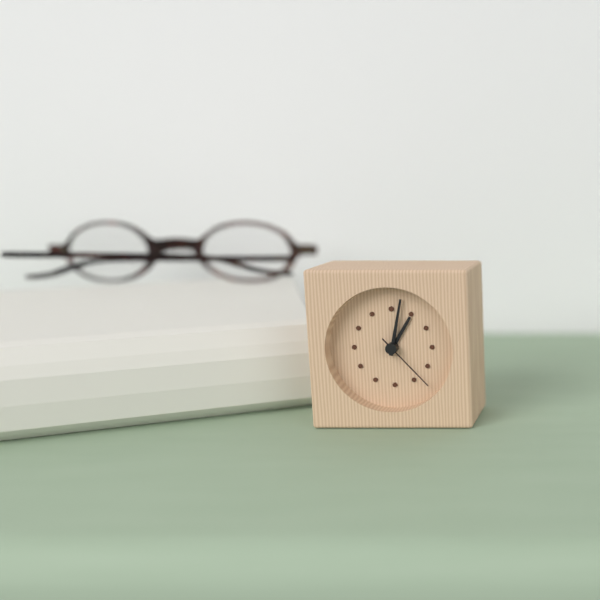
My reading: 1:02:23
